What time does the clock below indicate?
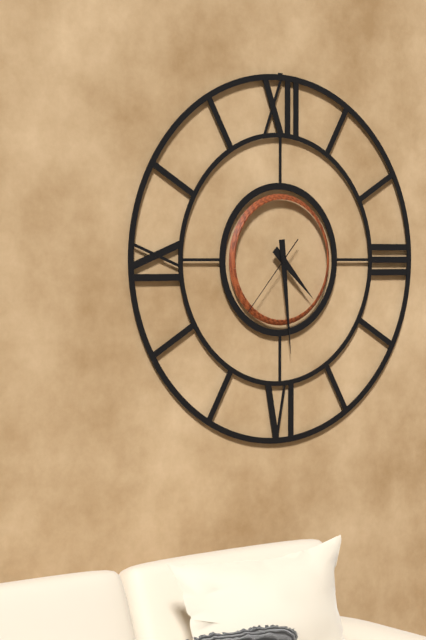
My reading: 4:29:37
